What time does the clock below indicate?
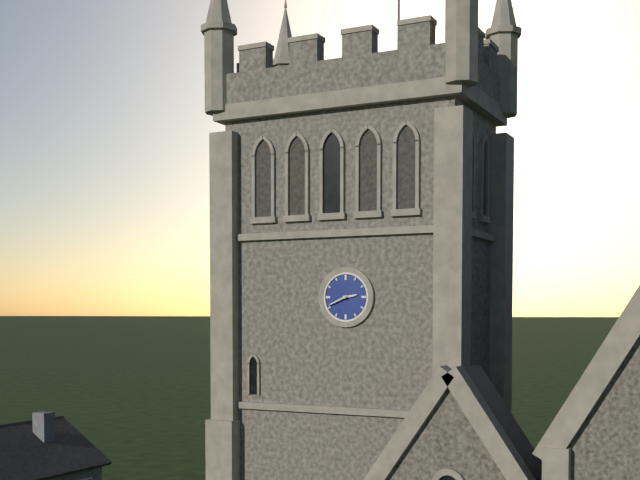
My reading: 2:41
